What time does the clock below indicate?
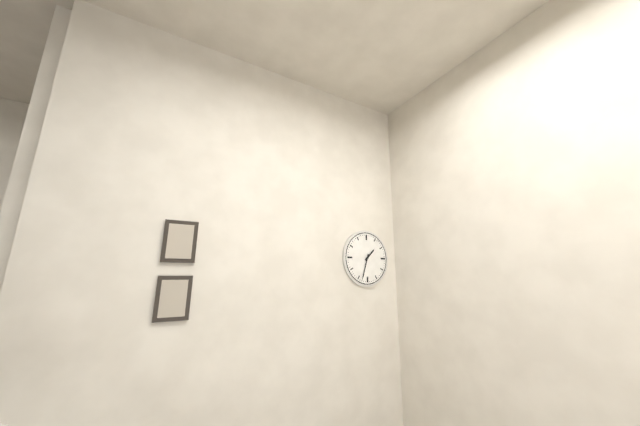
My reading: 1:33
